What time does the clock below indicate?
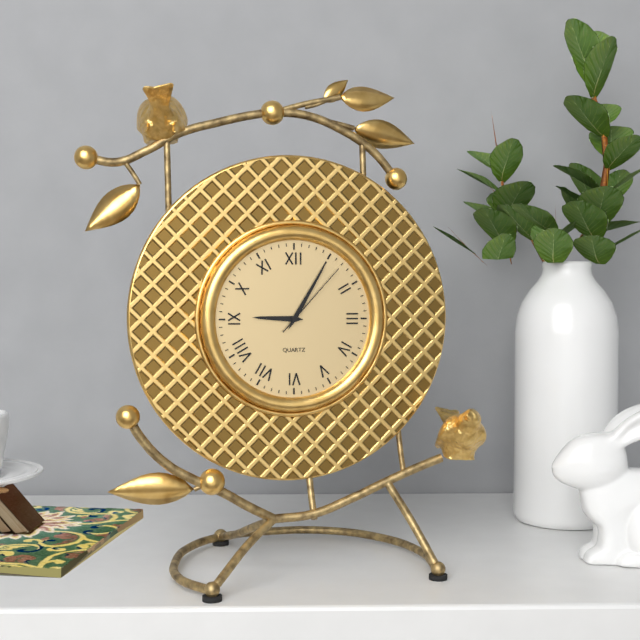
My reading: 9:05:07
